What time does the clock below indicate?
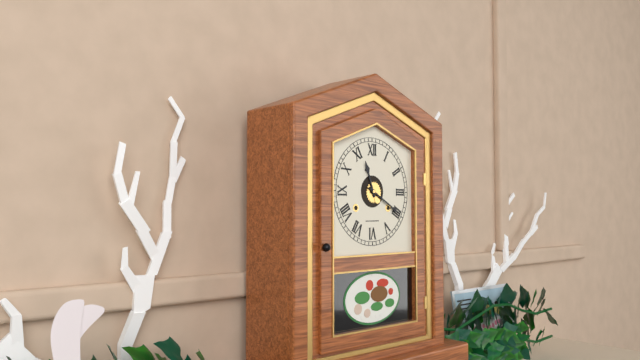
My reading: 11:20
